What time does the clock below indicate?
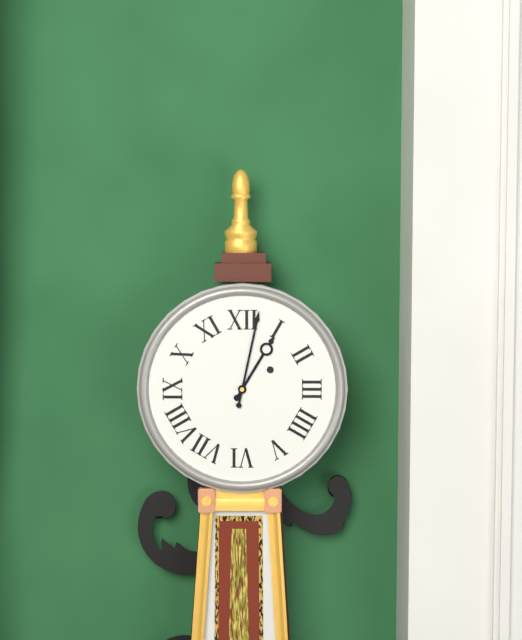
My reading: 1:02
